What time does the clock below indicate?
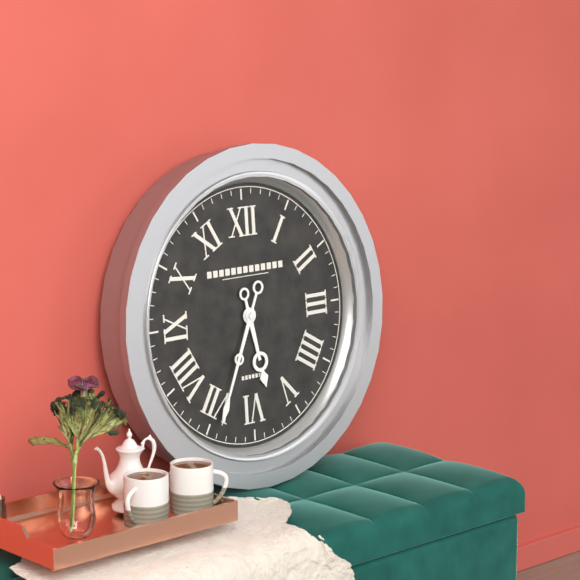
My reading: 5:34
